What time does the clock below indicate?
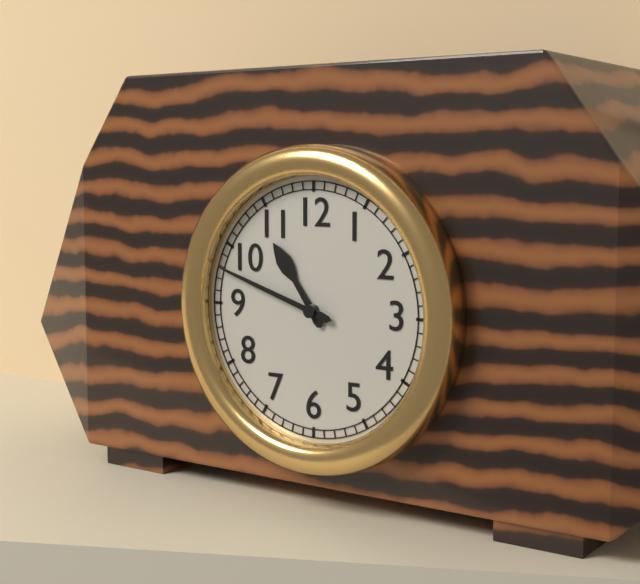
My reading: 10:48
